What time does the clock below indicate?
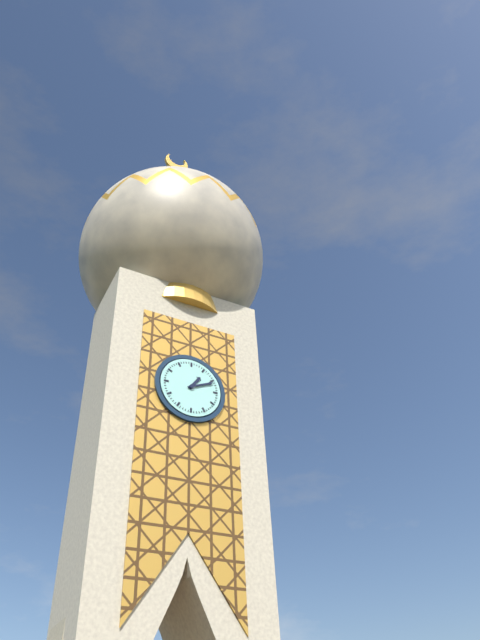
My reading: 1:11
